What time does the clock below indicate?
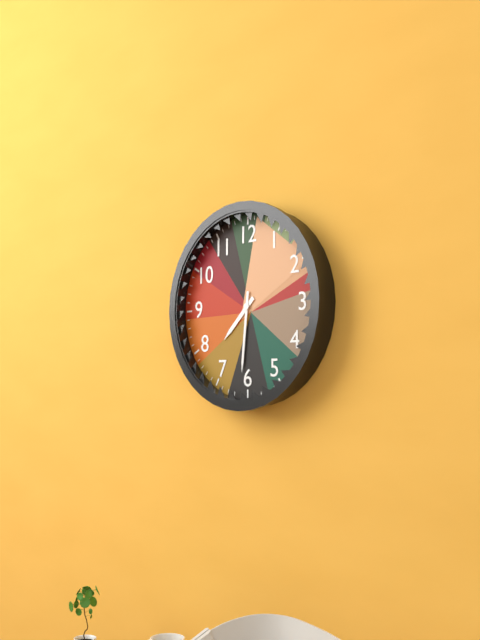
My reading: 7:31
